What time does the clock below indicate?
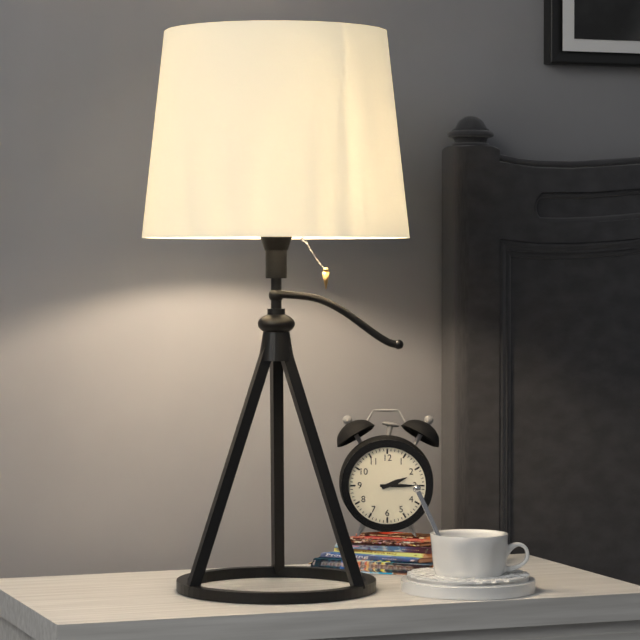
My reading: 2:15
